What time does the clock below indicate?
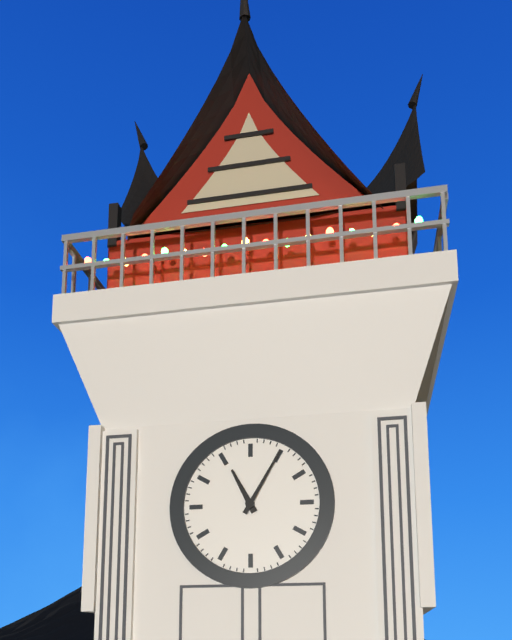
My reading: 11:05
